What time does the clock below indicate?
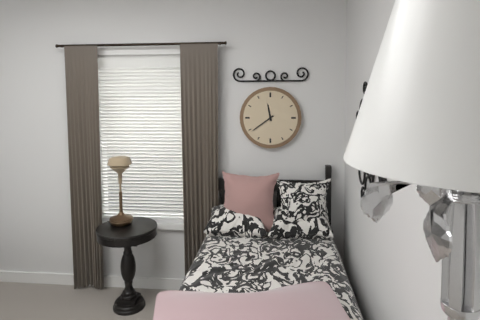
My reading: 11:39
